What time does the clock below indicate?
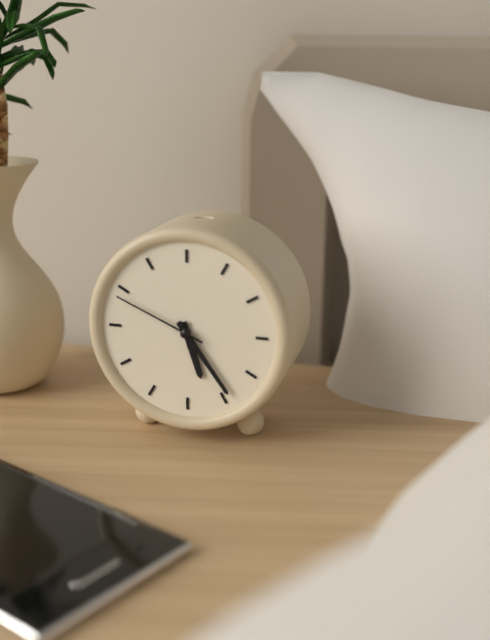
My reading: 5:24:49
